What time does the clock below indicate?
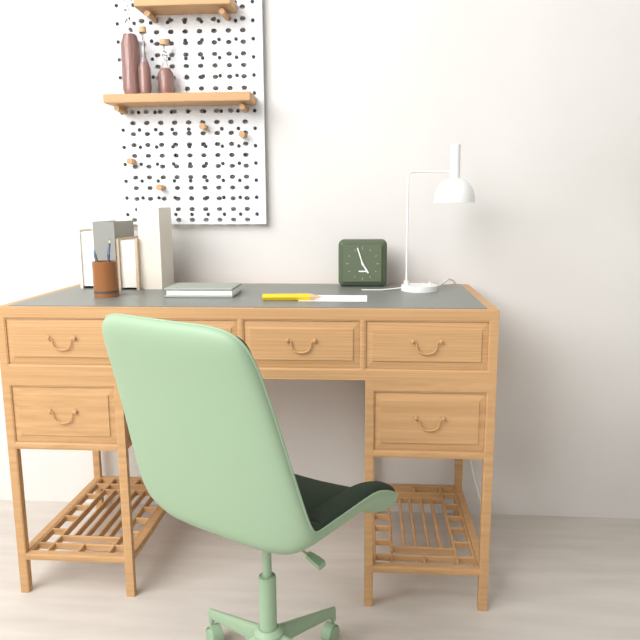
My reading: 4:57
